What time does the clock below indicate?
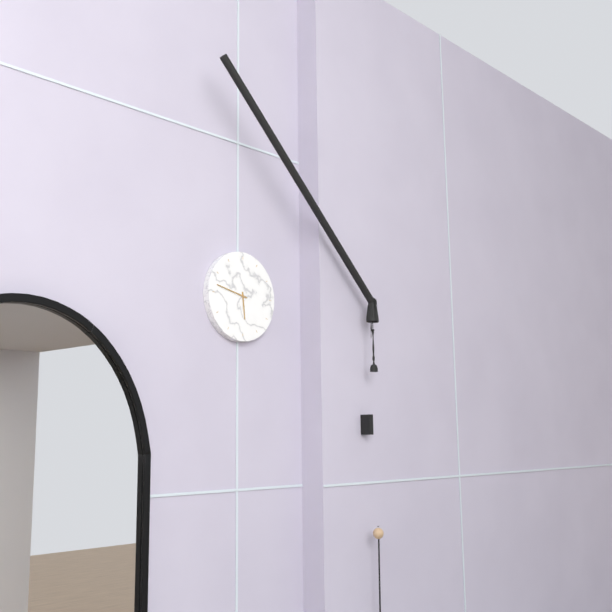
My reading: 5:47
